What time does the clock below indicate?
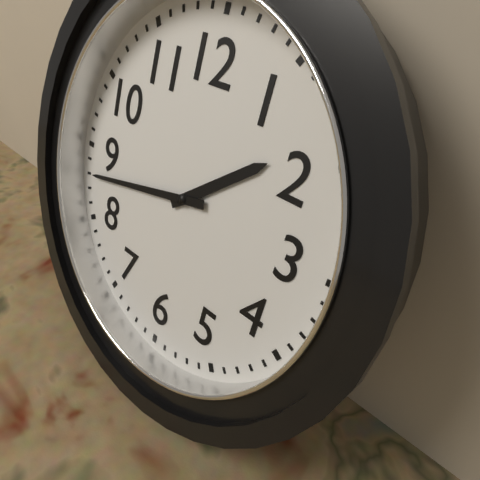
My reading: 1:43
